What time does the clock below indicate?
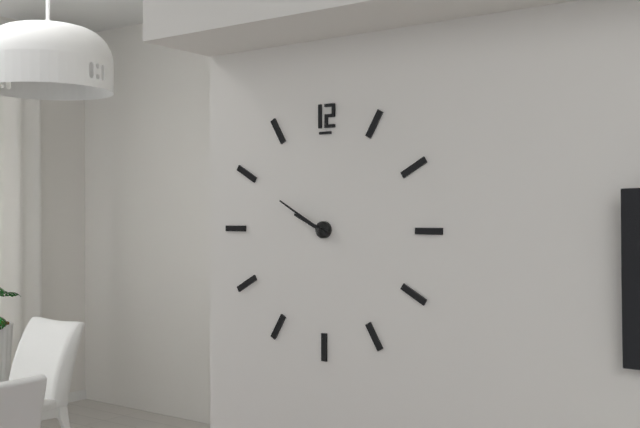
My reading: 9:50
